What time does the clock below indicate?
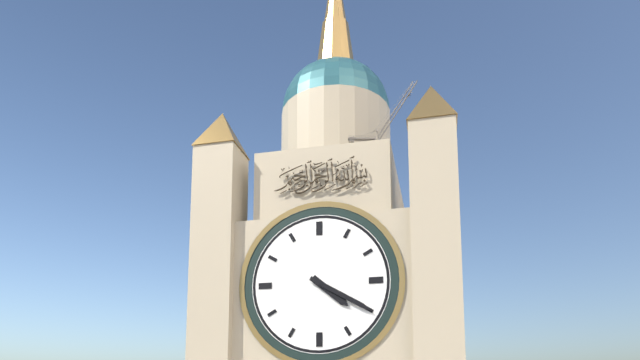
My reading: 4:20
